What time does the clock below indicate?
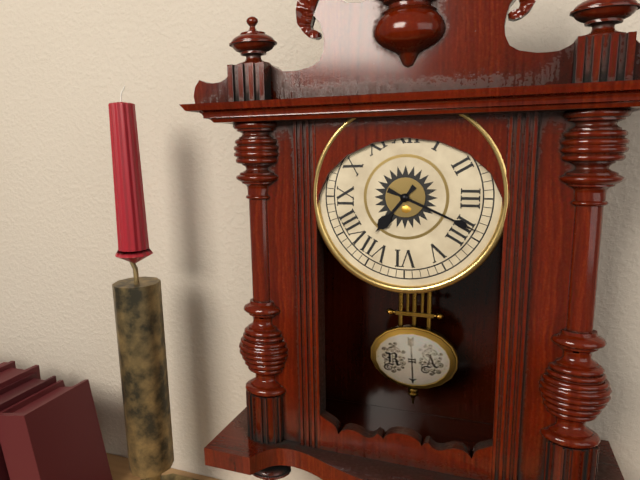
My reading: 7:19
